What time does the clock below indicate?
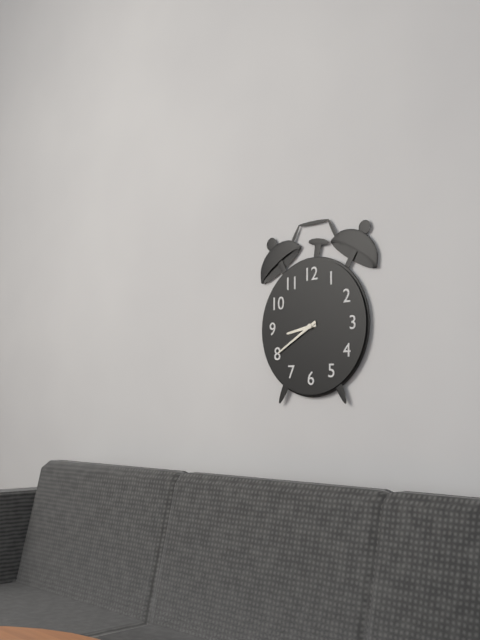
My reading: 8:40
